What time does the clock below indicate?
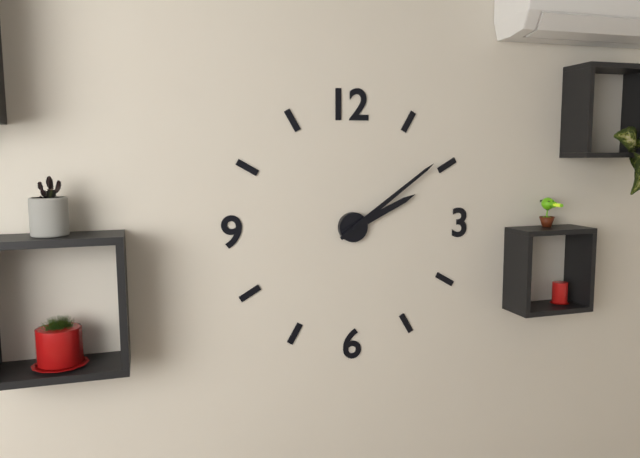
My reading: 2:09
